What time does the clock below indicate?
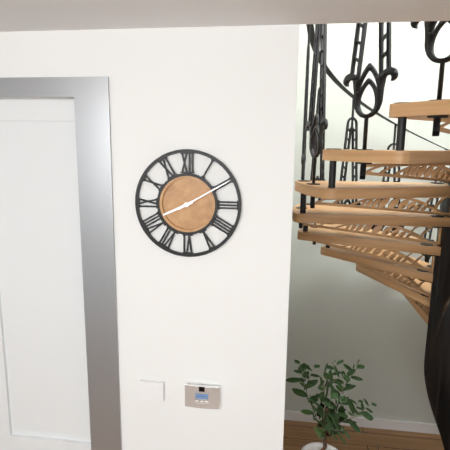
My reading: 8:10
